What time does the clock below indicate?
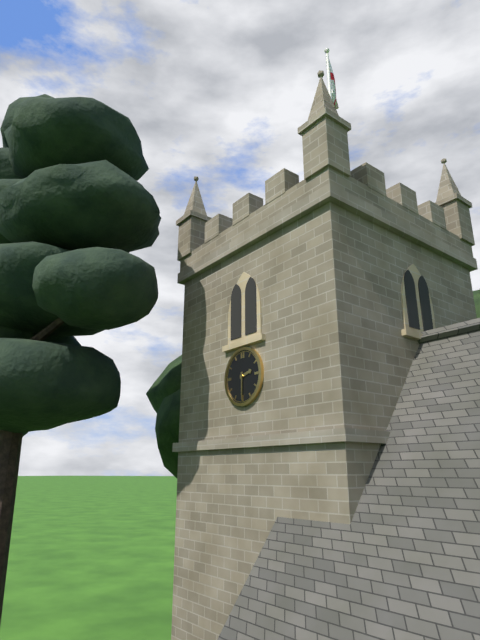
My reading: 2:30
